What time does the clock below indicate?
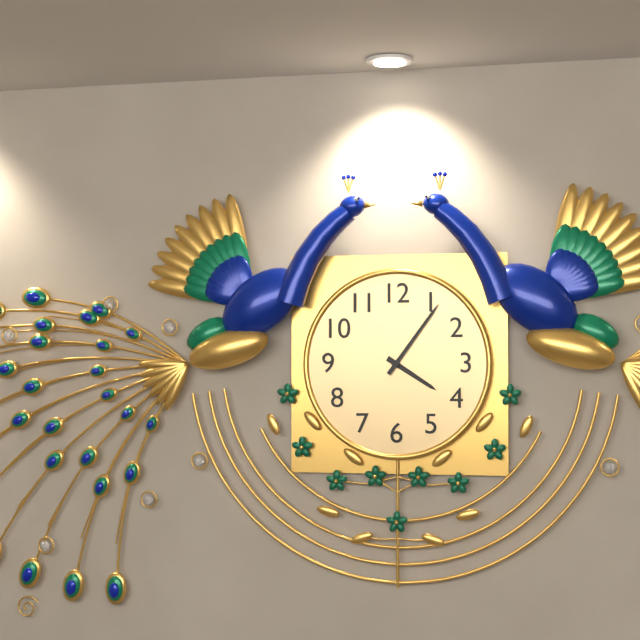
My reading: 4:06
